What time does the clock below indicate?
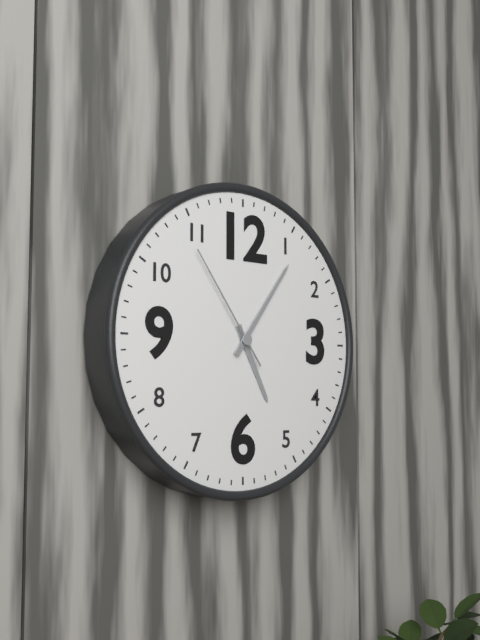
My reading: 5:06:54
